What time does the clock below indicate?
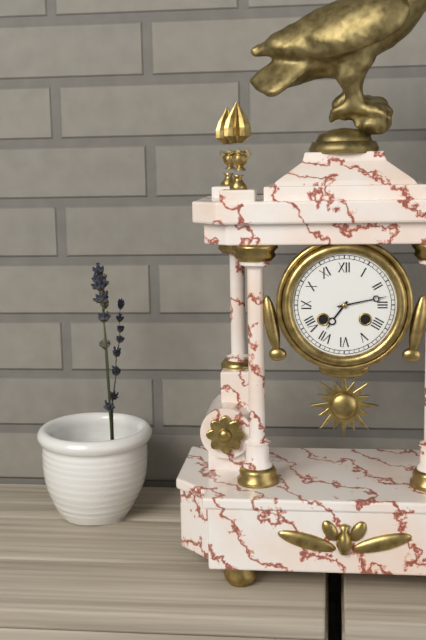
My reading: 7:13
